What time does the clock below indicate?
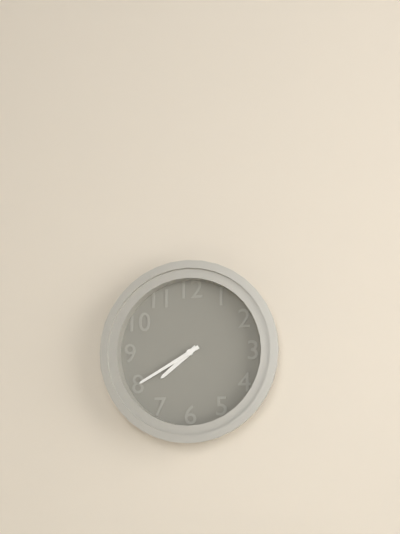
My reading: 7:40
